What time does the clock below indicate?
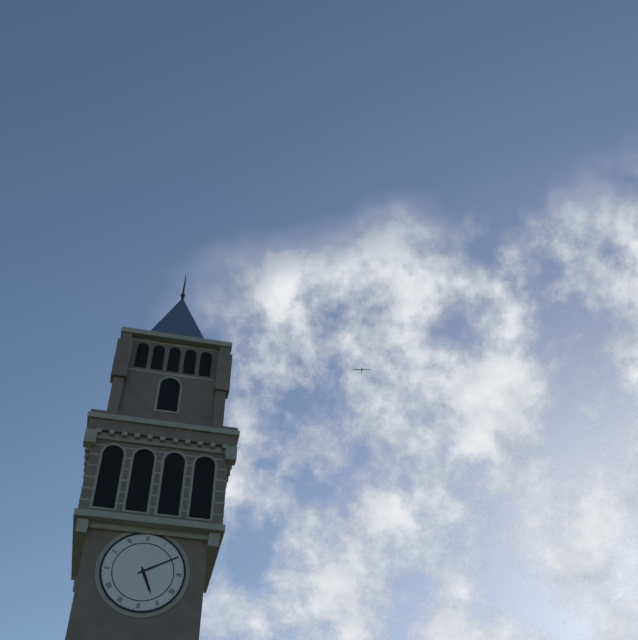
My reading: 5:10
